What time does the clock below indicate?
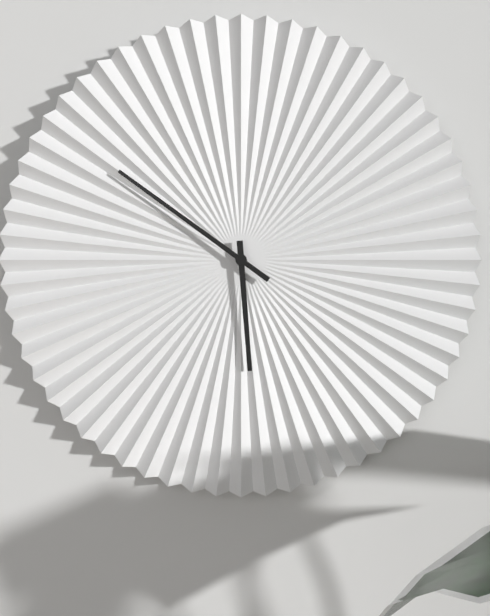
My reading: 5:51
